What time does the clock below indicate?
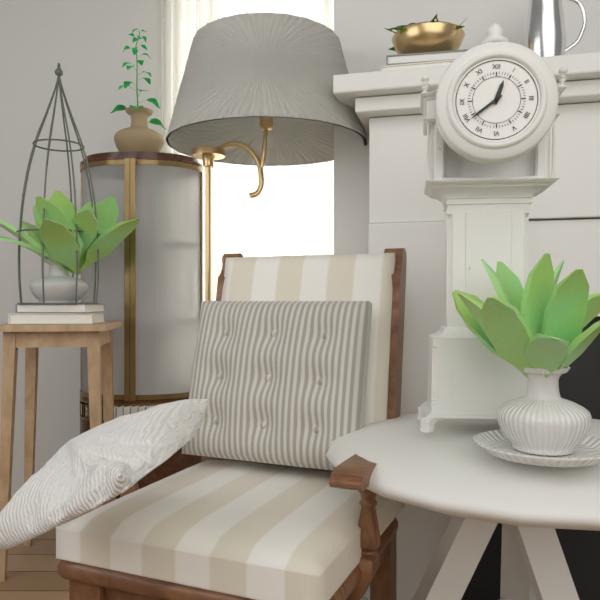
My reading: 12:39
